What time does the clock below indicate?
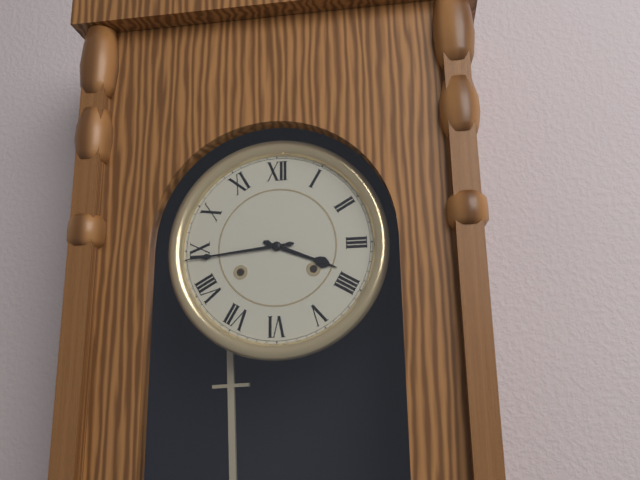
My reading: 3:44
